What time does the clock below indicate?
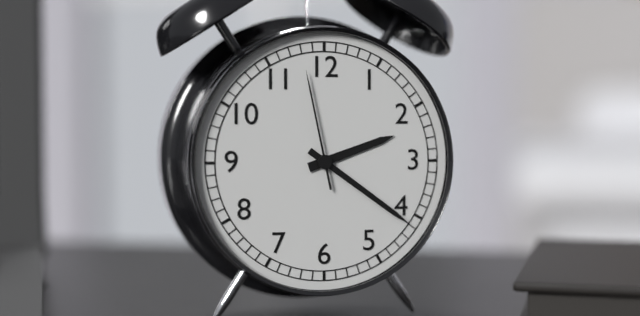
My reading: 2:21:58
